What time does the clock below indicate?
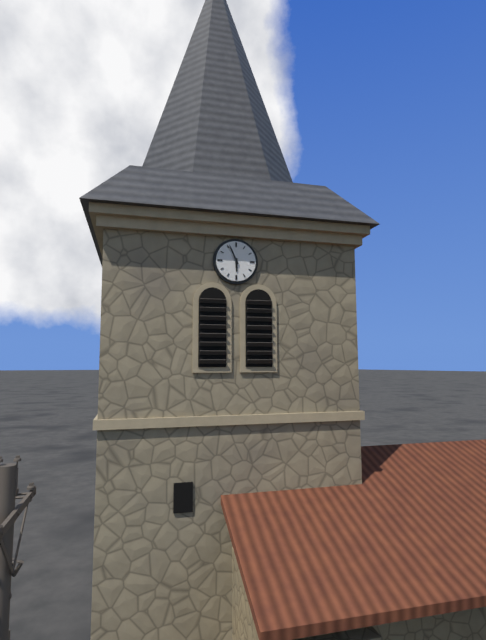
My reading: 5:56
